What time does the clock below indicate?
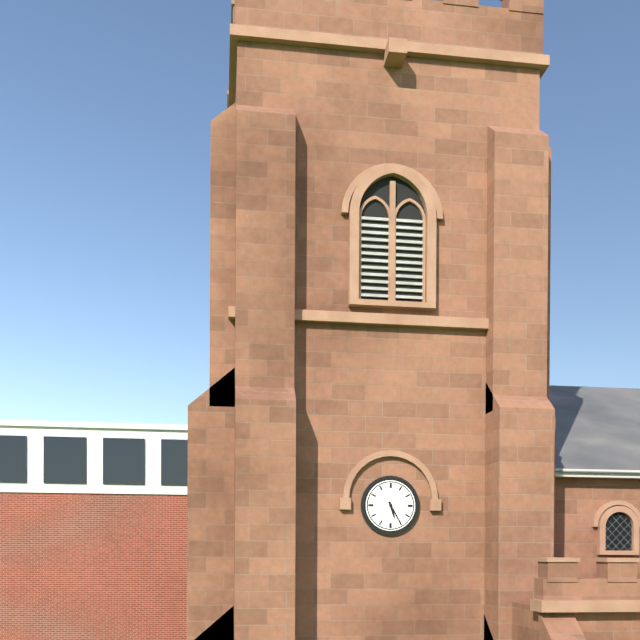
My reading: 5:25
